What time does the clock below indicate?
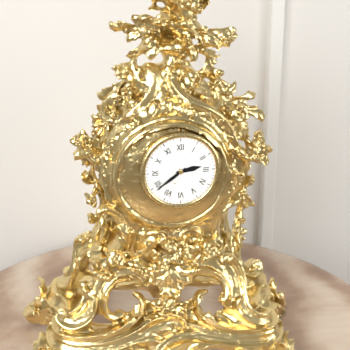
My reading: 2:39
